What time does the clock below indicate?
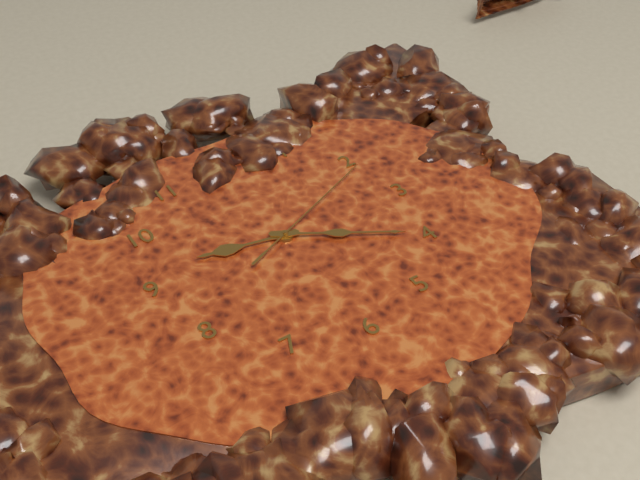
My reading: 9:20:11
